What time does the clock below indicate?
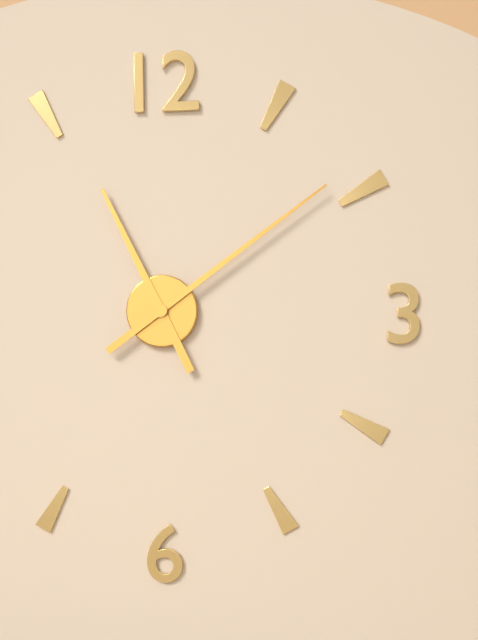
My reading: 11:09
